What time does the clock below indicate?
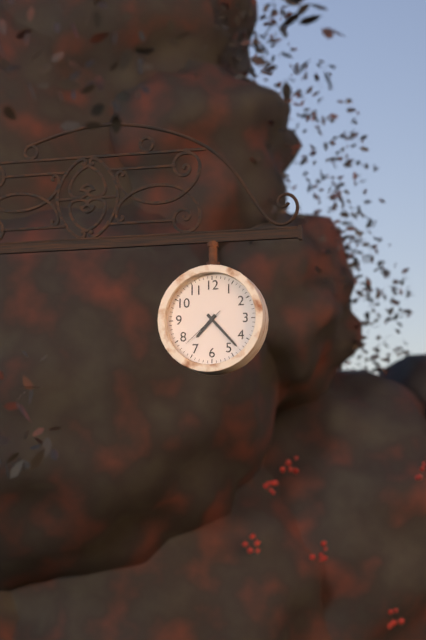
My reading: 7:23
